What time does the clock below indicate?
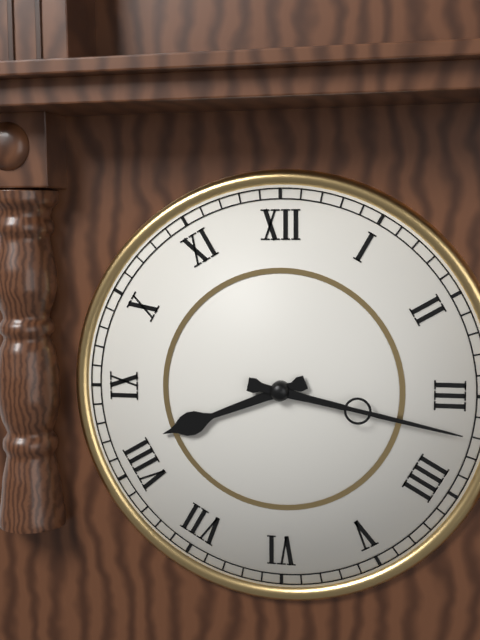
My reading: 8:17
